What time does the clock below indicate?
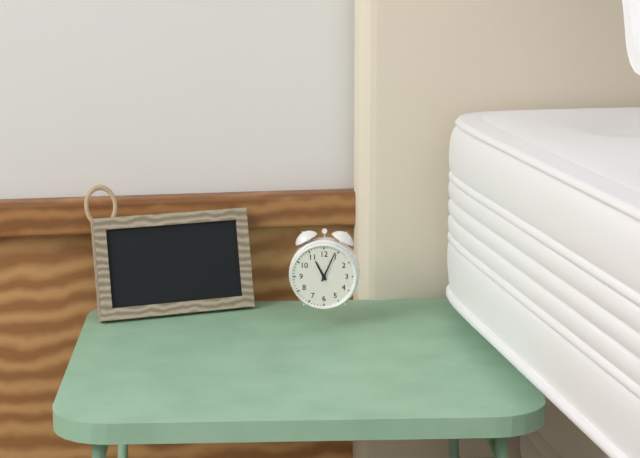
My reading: 11:04
